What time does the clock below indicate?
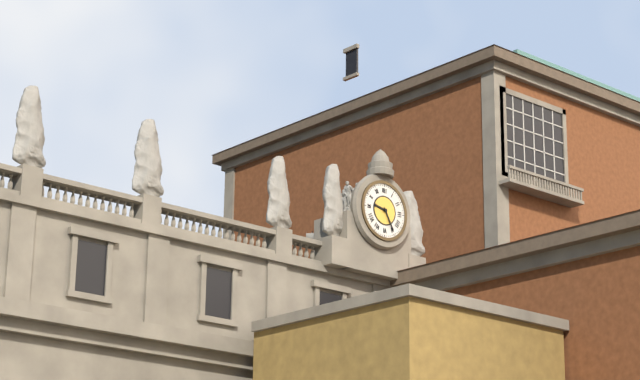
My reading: 9:25
